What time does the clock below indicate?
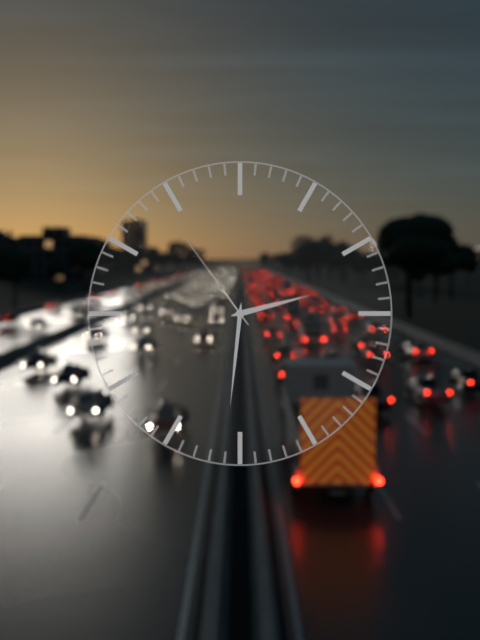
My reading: 2:31:54
